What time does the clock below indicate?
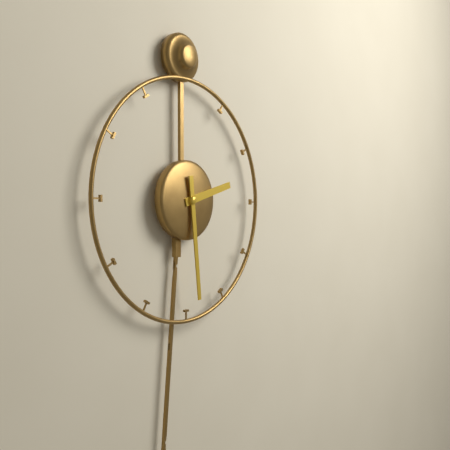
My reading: 2:29
